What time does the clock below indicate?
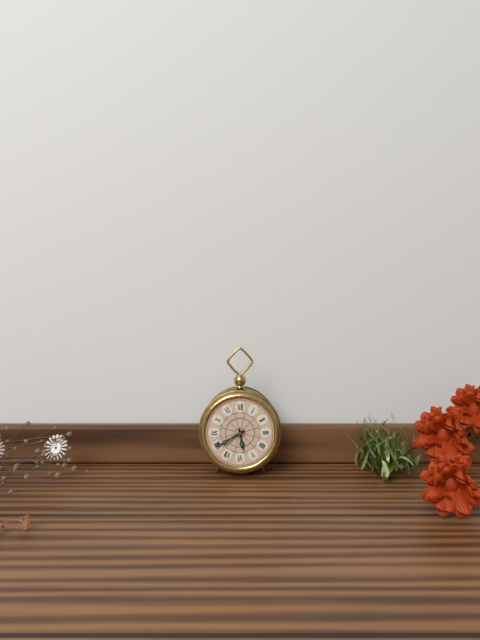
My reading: 5:40
